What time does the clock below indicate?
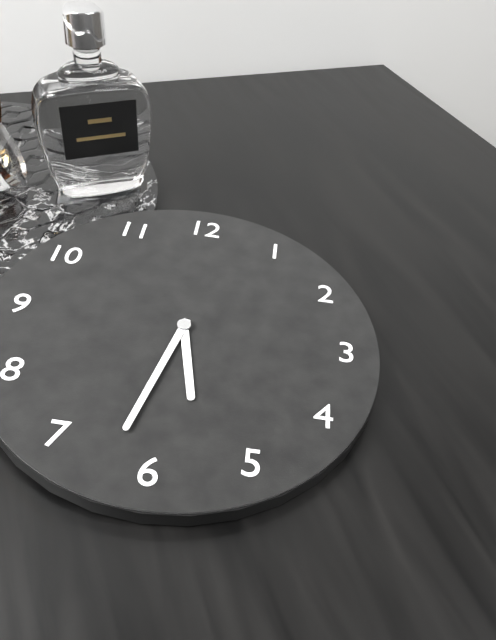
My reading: 5:32
